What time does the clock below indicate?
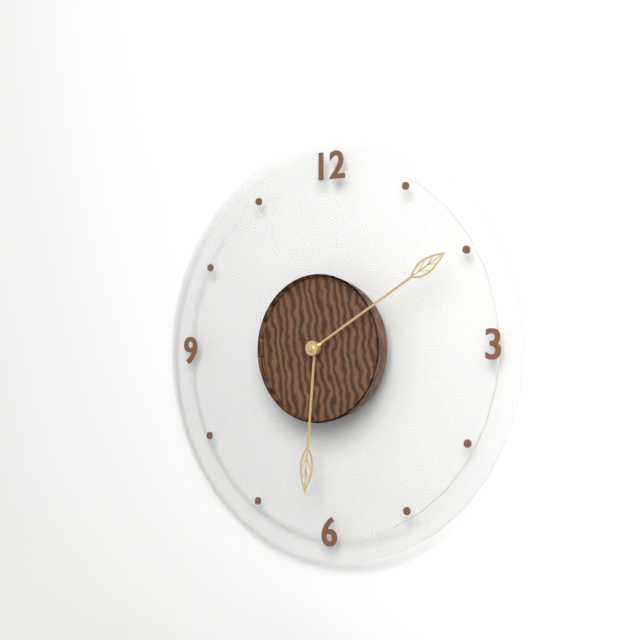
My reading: 6:10
